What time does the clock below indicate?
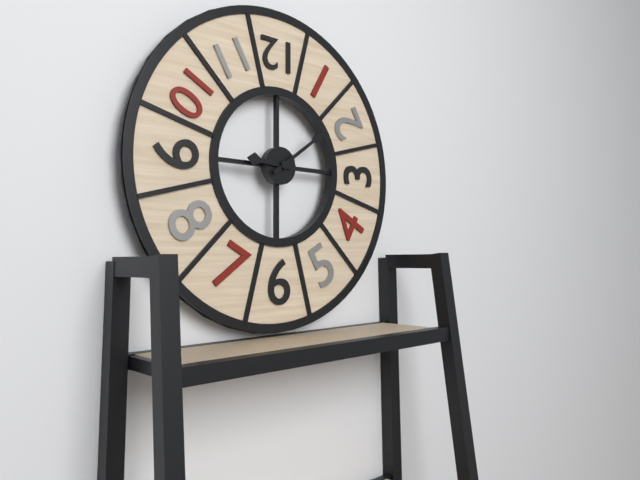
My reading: 9:09
